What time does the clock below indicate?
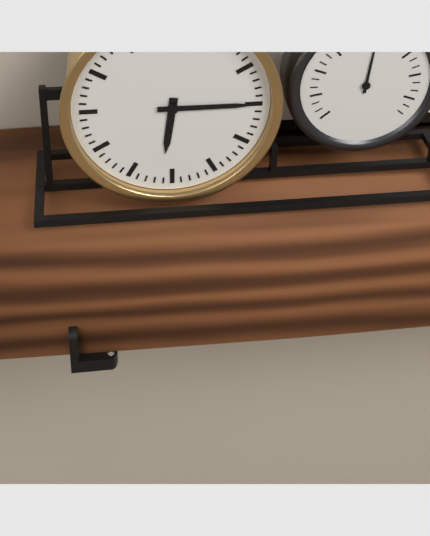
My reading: 6:15
